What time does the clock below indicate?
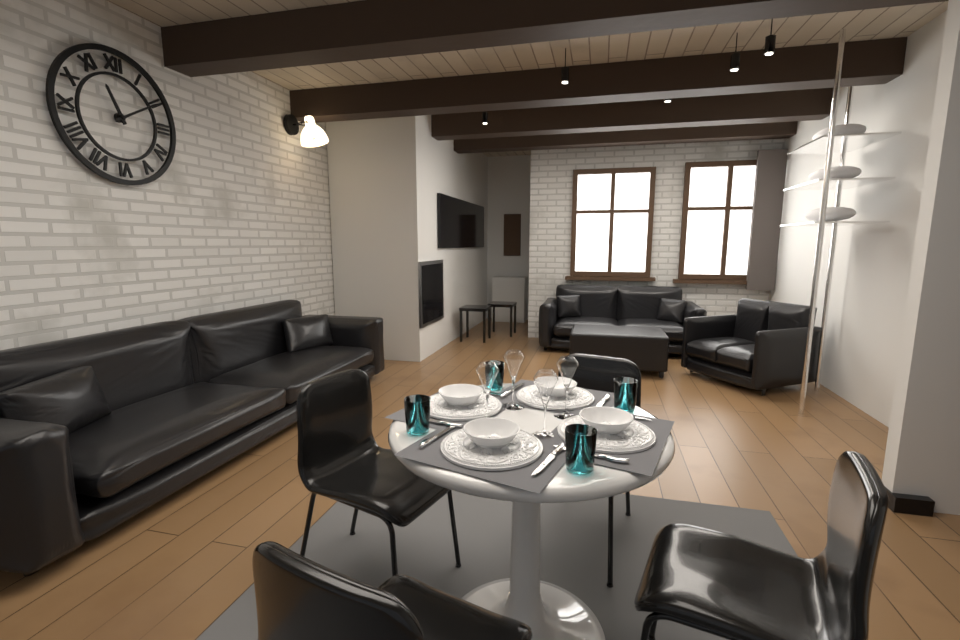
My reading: 11:10
